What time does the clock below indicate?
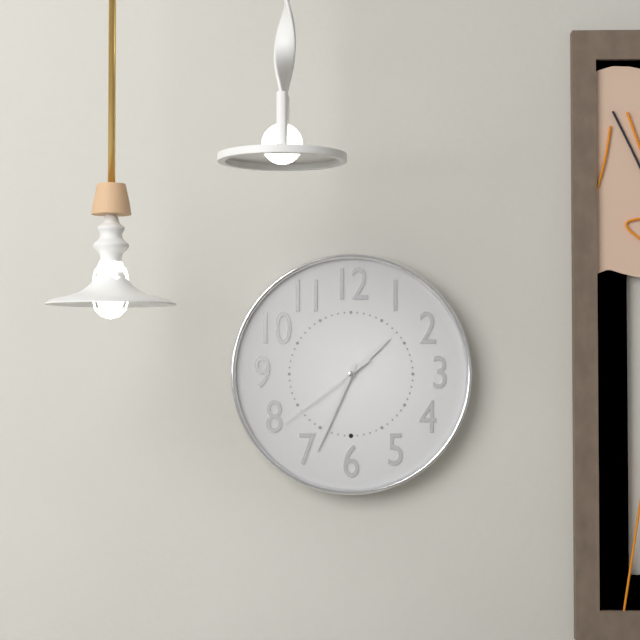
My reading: 1:34:39
